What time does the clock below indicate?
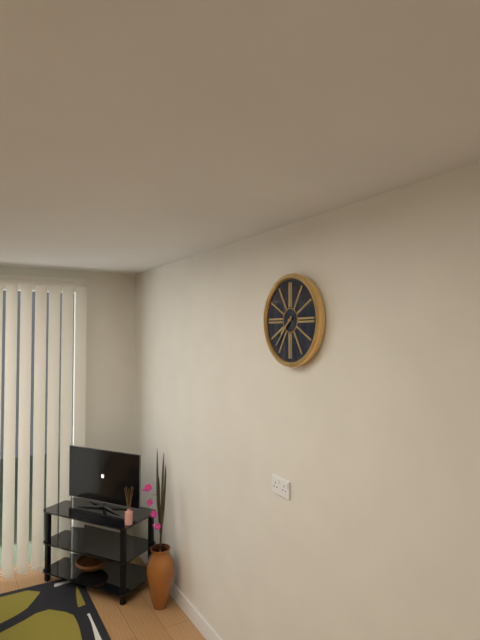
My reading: 7:37
